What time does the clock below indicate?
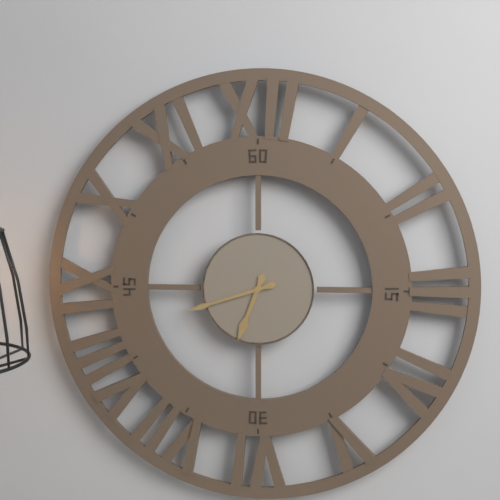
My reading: 6:42
